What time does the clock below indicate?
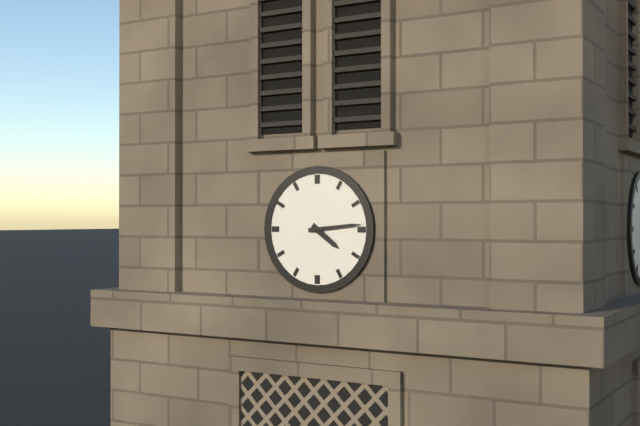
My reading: 4:14
